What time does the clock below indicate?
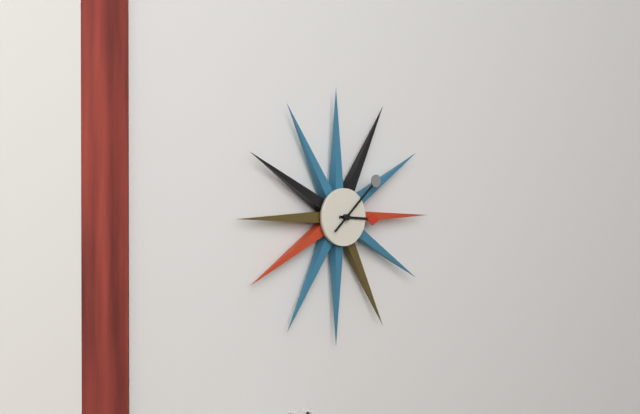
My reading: 3:08
